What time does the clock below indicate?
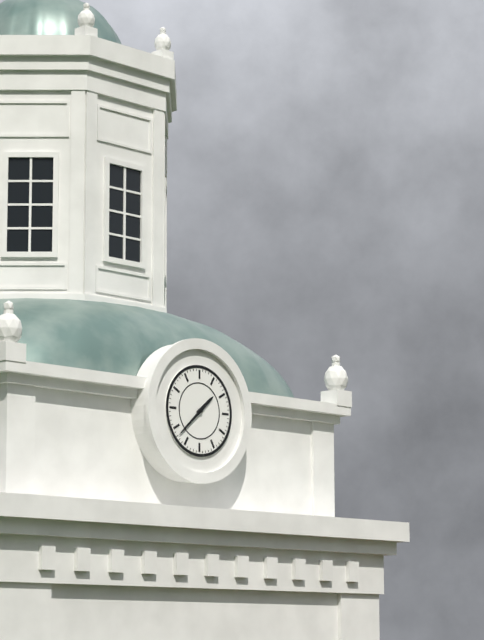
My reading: 1:38
